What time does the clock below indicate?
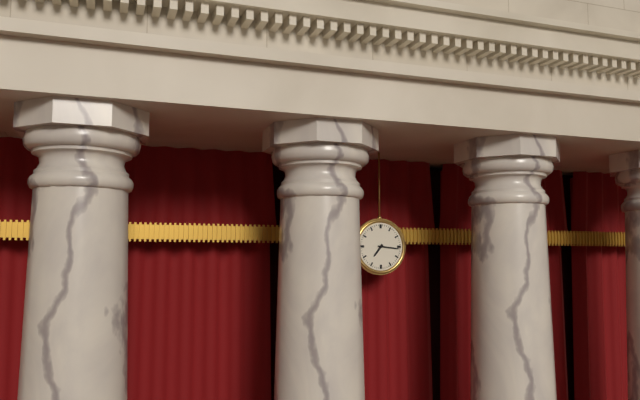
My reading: 7:16
